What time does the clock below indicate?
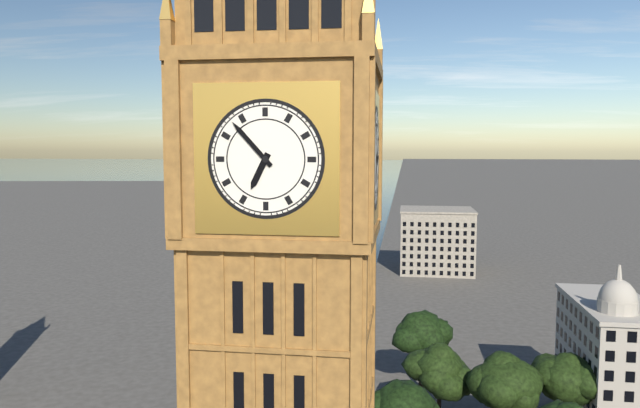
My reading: 6:53
